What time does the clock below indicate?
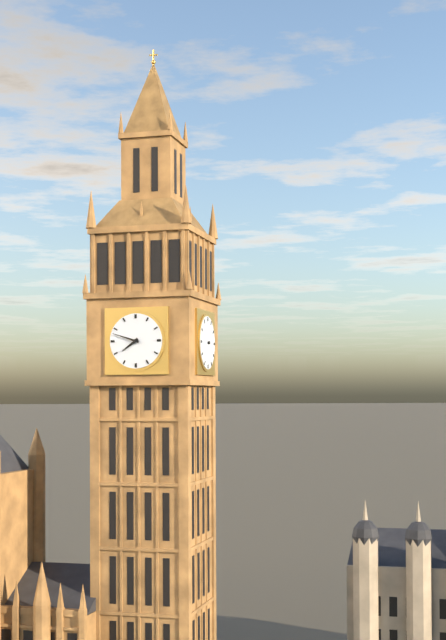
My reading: 7:48
